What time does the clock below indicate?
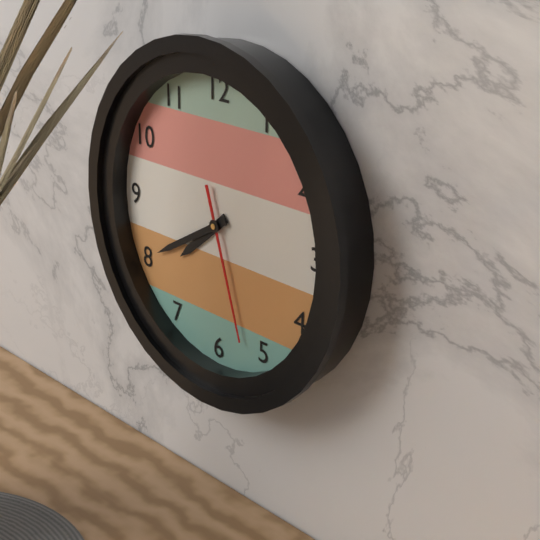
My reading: 7:40:27
